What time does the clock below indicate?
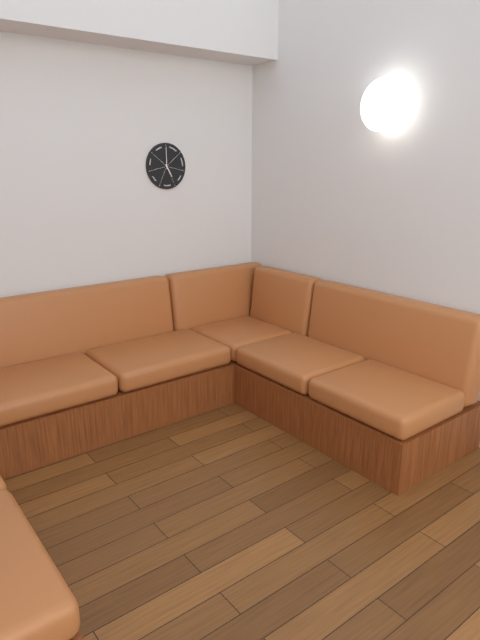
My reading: 5:00
